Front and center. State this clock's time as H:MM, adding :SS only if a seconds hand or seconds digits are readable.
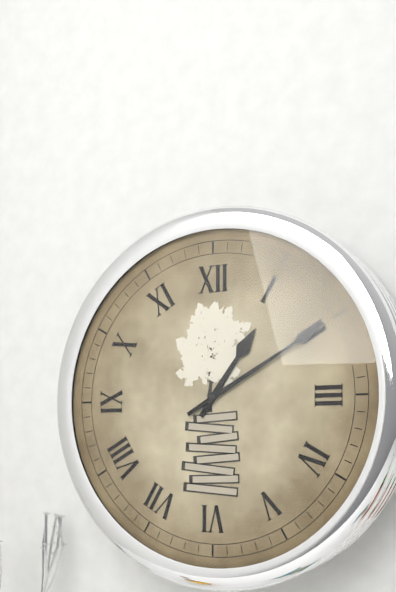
1:10
